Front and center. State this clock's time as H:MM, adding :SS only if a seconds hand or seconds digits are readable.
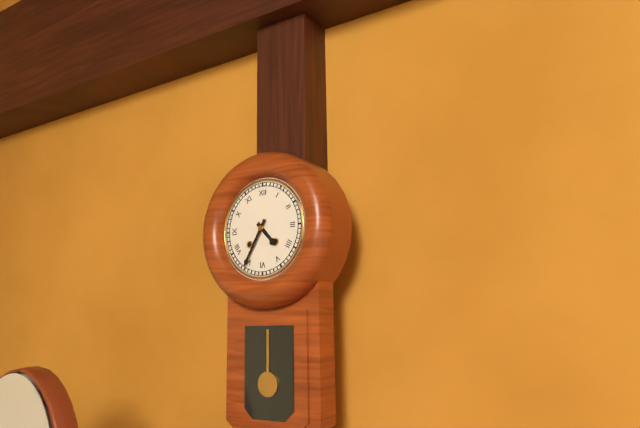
4:35
